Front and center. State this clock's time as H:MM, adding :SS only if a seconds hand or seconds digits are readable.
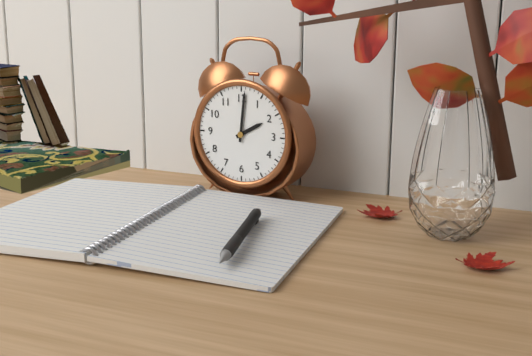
2:01
